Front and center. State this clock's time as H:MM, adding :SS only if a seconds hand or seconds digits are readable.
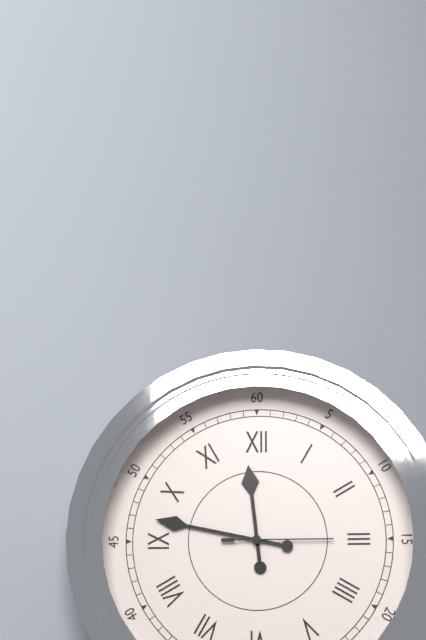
11:47:15
